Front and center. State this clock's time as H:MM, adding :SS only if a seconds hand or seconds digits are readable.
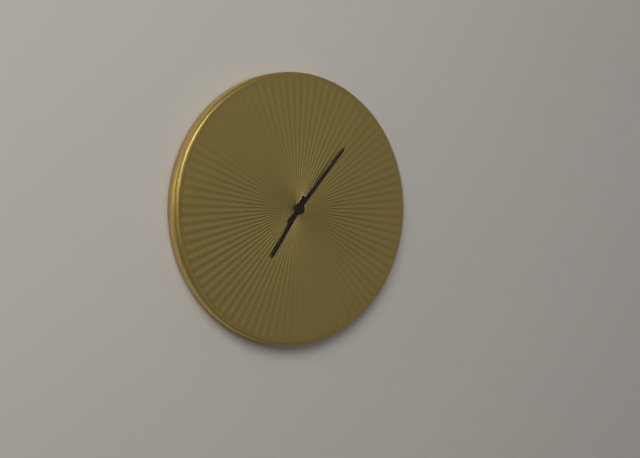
7:07
